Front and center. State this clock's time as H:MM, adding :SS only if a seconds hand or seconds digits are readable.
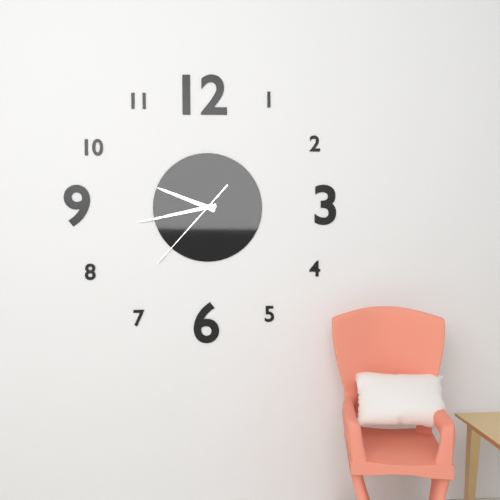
9:43:37
